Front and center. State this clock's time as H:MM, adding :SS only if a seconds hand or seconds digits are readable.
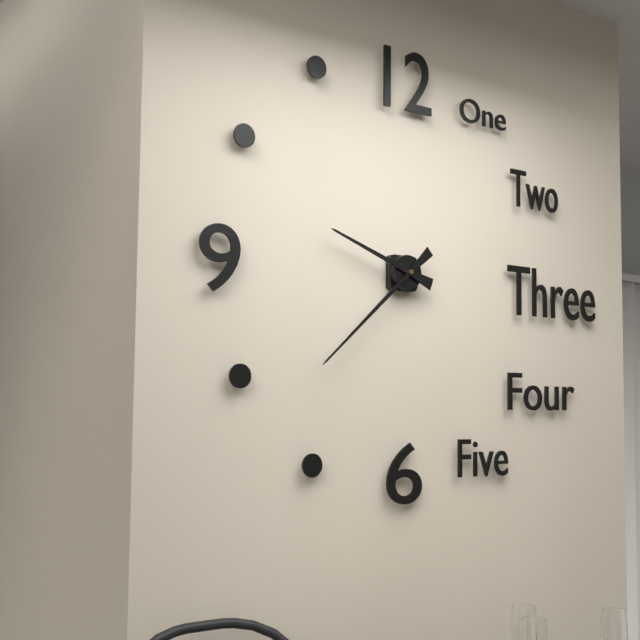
9:38
